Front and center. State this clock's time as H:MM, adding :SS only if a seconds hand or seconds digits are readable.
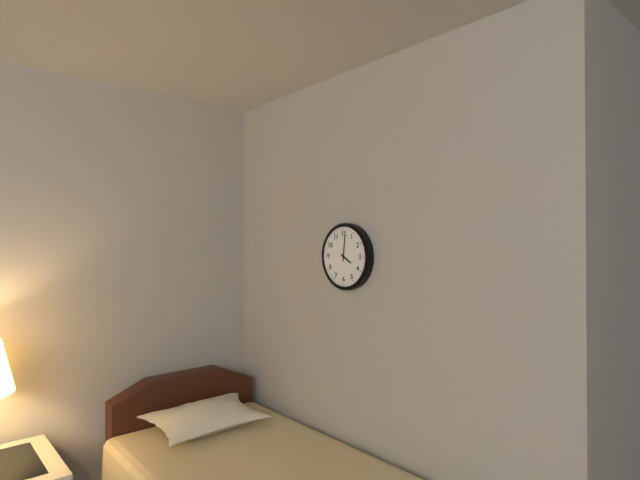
4:01
